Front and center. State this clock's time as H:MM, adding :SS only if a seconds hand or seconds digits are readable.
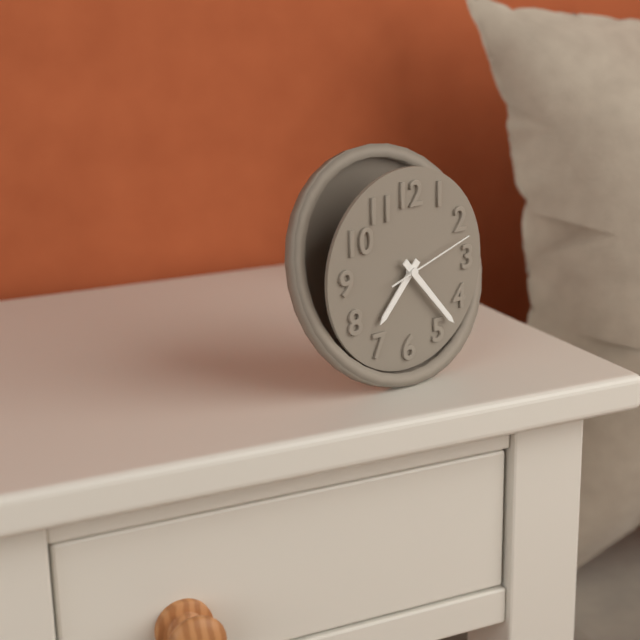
7:23:12
